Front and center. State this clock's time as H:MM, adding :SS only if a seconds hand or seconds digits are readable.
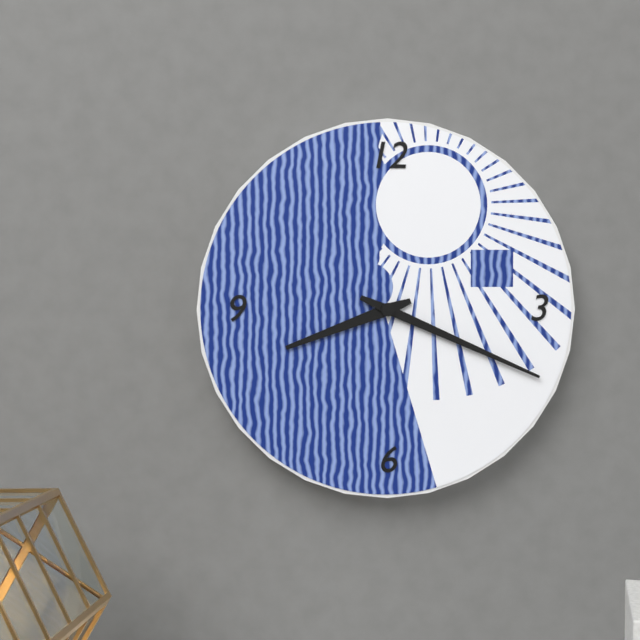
8:19
